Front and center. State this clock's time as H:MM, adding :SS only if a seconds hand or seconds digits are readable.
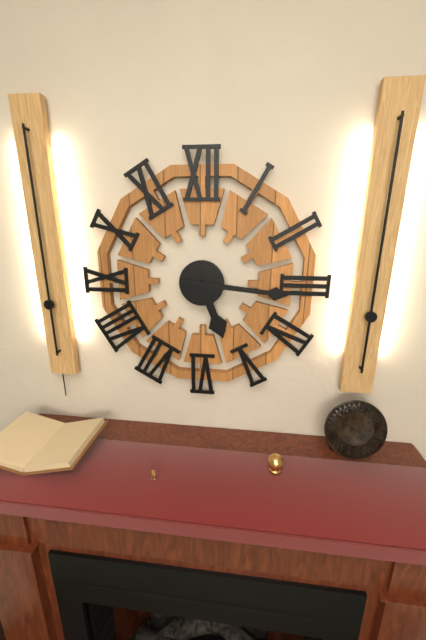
5:16
